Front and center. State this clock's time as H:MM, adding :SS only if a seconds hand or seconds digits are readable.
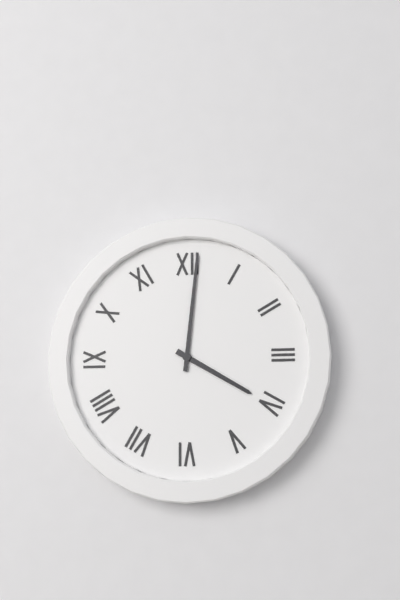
4:01
